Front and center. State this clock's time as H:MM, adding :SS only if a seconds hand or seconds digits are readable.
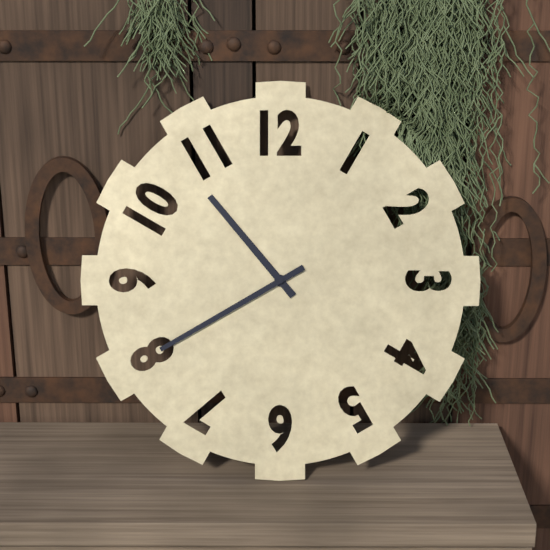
10:40
